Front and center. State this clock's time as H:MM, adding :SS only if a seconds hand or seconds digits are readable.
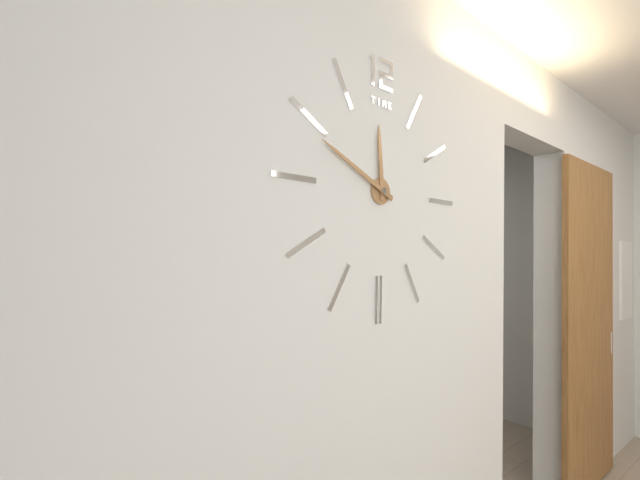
11:49
